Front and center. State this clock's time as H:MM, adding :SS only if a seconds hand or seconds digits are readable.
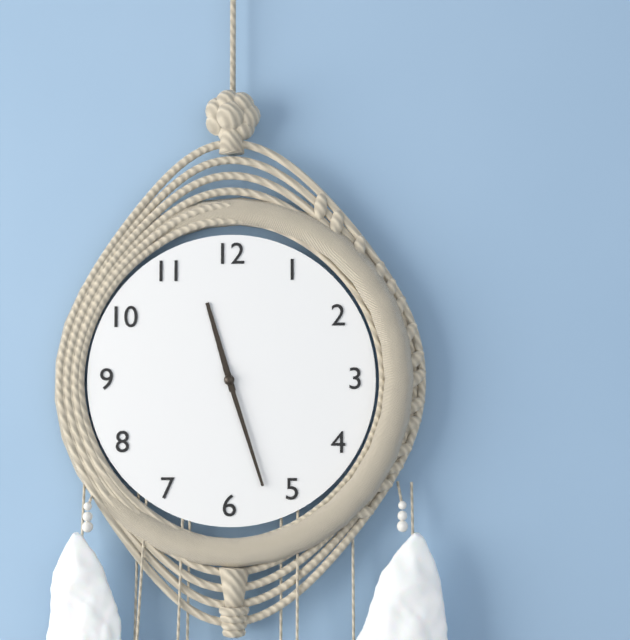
11:27
